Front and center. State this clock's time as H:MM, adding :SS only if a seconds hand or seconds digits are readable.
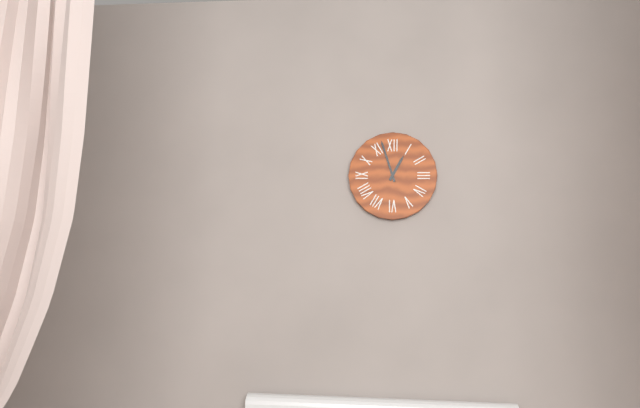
12:57
